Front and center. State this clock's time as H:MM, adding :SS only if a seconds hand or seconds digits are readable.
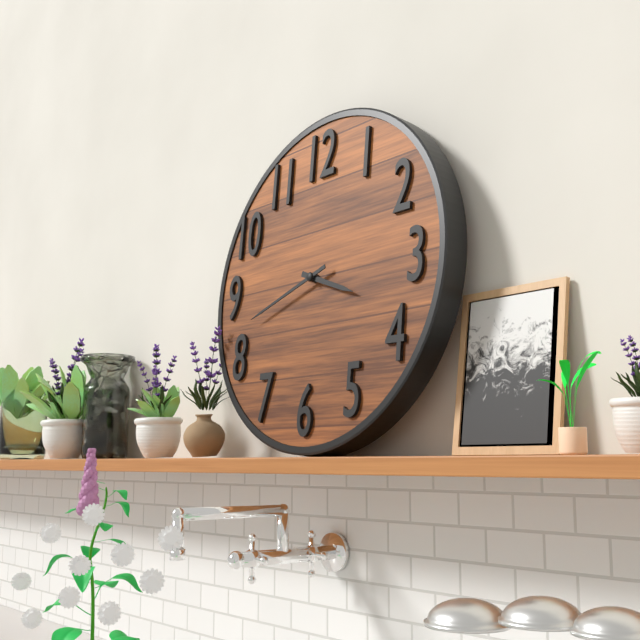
3:42
